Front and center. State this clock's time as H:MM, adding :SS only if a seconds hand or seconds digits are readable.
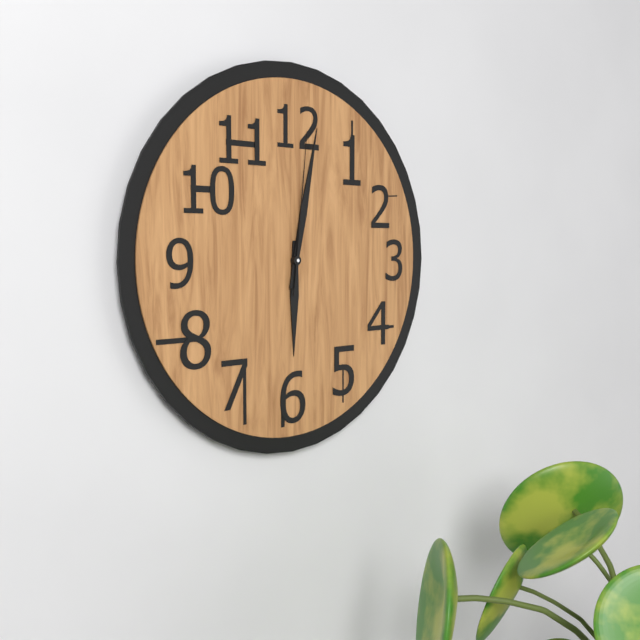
6:02:01
